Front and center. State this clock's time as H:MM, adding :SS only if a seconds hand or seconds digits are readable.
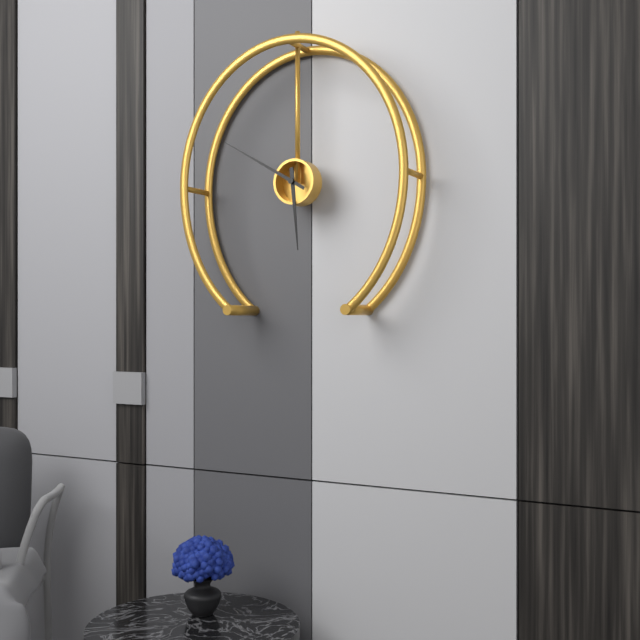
5:50
